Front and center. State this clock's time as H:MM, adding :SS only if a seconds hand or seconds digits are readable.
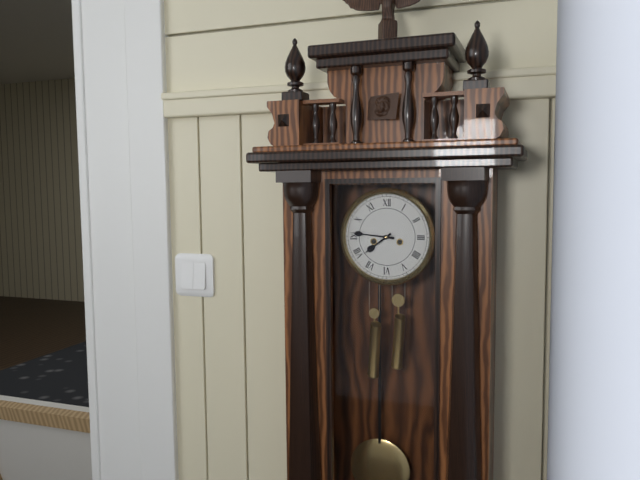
7:46
